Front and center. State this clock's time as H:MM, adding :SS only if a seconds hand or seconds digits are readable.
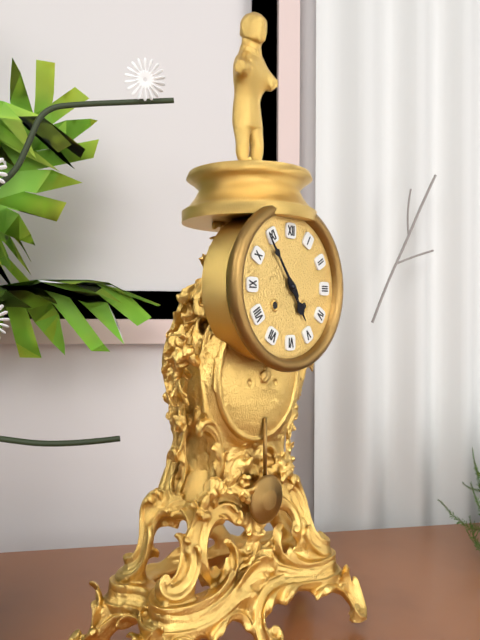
4:54
